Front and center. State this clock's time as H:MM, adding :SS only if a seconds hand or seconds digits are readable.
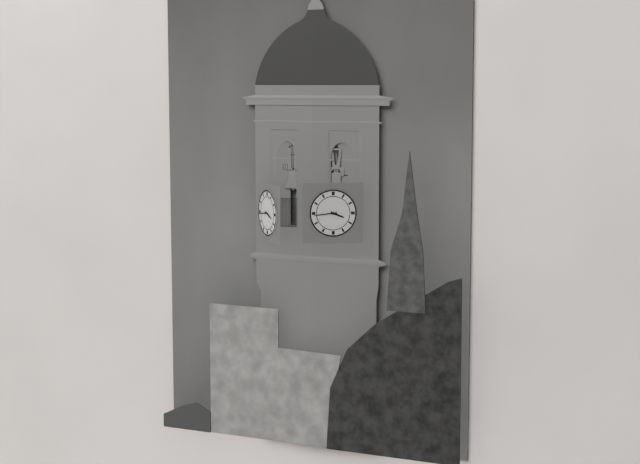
3:44
